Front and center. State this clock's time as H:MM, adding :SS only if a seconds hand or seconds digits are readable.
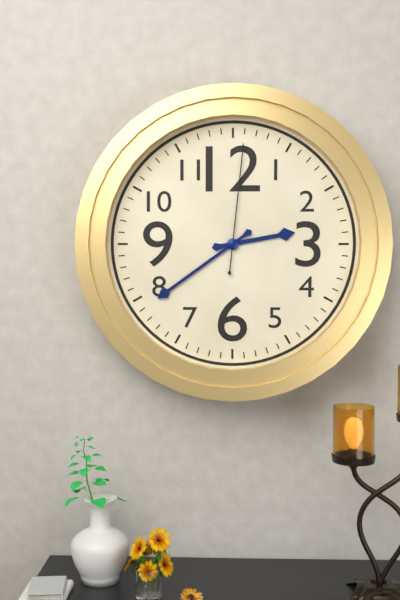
2:39:01
